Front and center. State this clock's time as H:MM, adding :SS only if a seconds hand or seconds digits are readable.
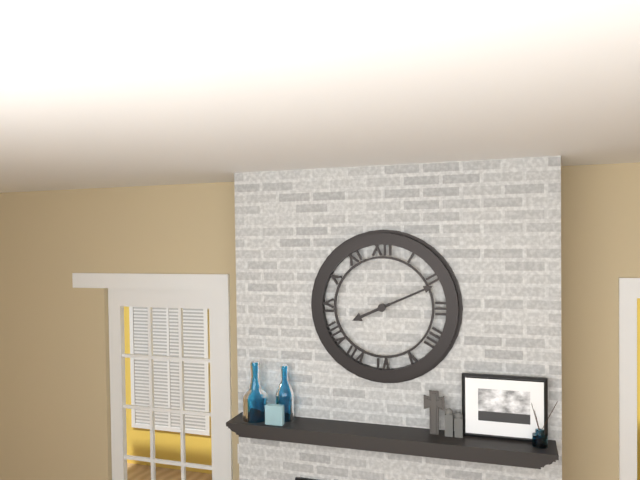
8:11
